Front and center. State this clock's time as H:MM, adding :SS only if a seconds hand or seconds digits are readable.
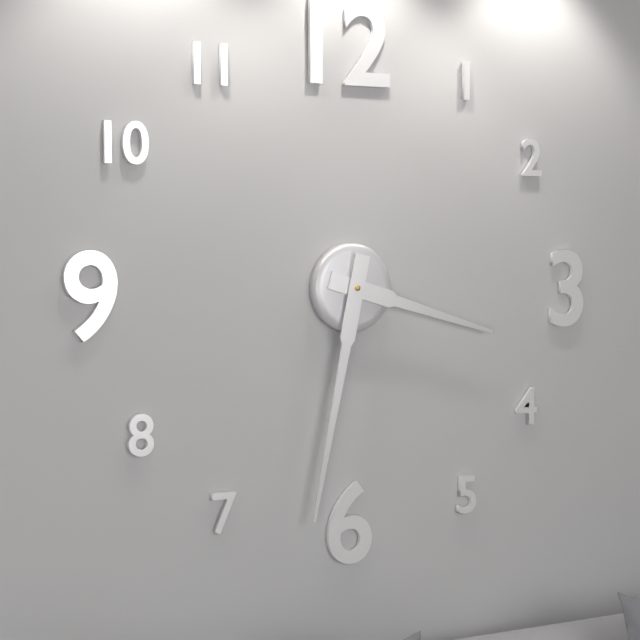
3:32
